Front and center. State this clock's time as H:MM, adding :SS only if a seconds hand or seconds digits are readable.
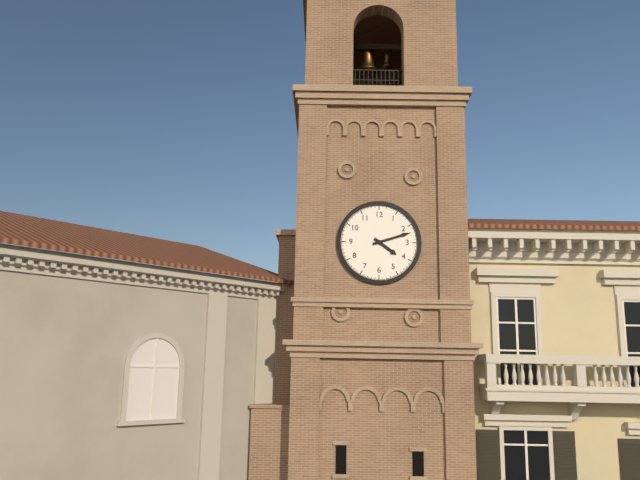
4:12
